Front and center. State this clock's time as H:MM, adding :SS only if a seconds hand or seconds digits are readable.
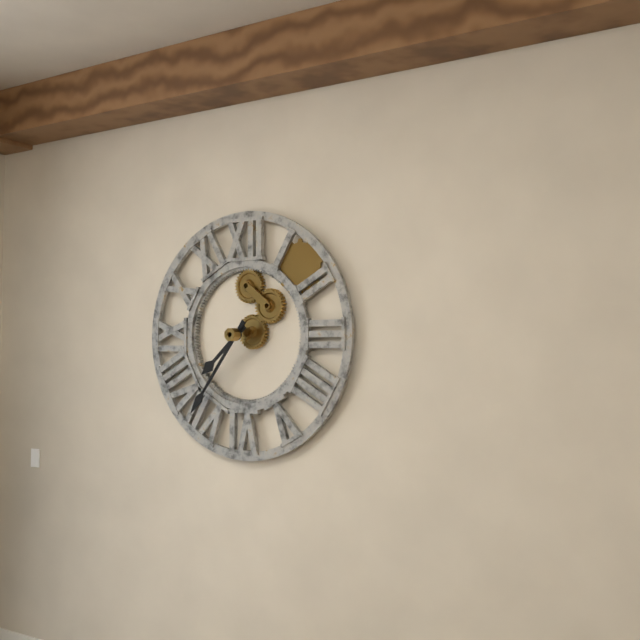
7:36
